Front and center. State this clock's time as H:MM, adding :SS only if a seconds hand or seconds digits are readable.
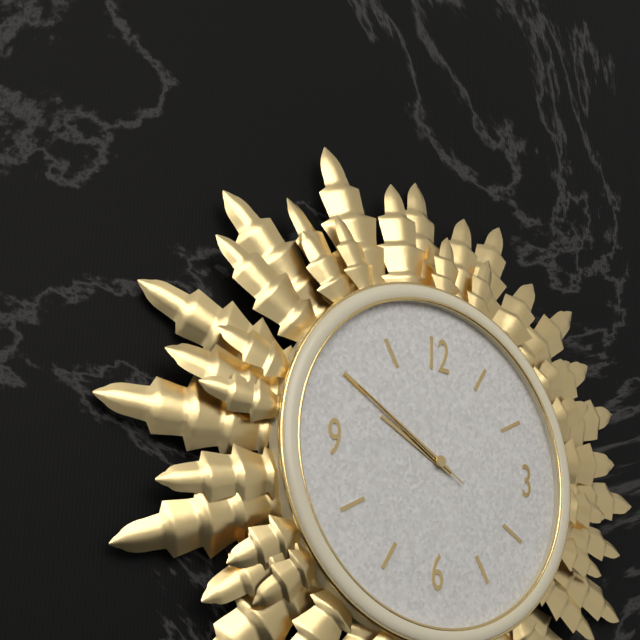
9:50:50
